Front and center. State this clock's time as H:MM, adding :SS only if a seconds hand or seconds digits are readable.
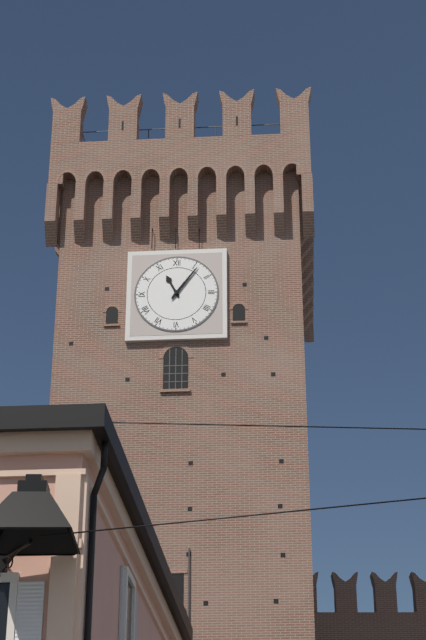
11:06
